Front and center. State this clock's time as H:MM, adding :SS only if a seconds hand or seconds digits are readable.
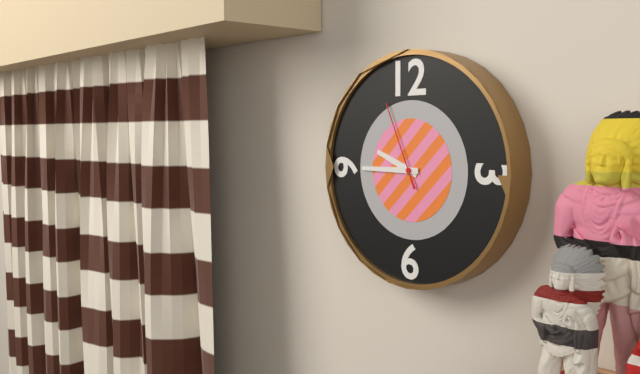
9:45:56
